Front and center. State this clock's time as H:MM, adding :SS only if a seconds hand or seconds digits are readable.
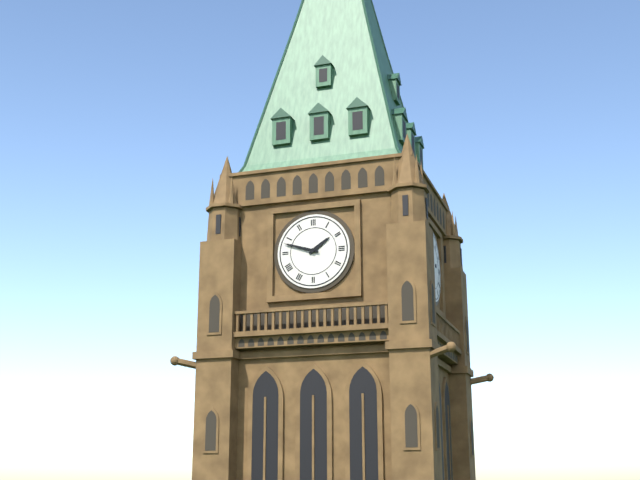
1:48
